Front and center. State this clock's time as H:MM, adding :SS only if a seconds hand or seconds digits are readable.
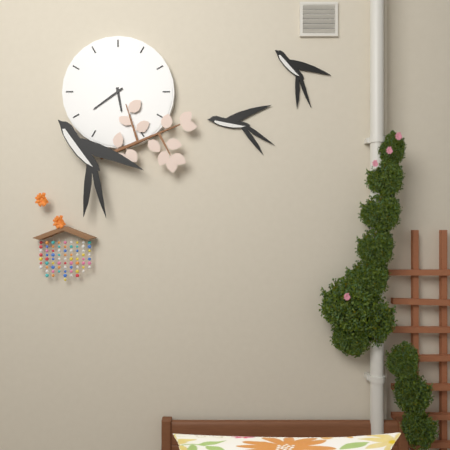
5:39
